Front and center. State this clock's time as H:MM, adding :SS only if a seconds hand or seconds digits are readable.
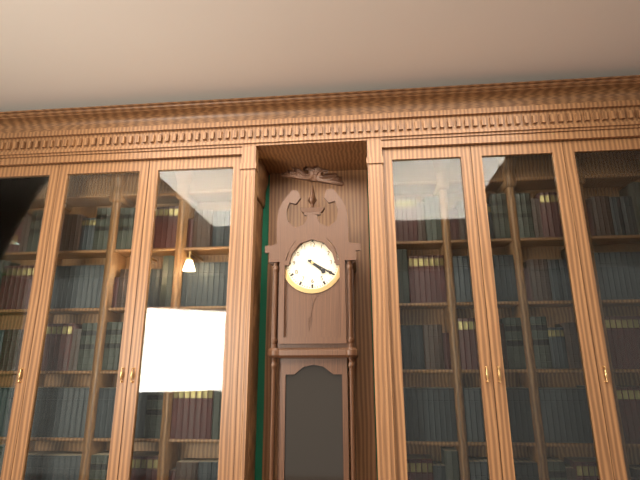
4:20
